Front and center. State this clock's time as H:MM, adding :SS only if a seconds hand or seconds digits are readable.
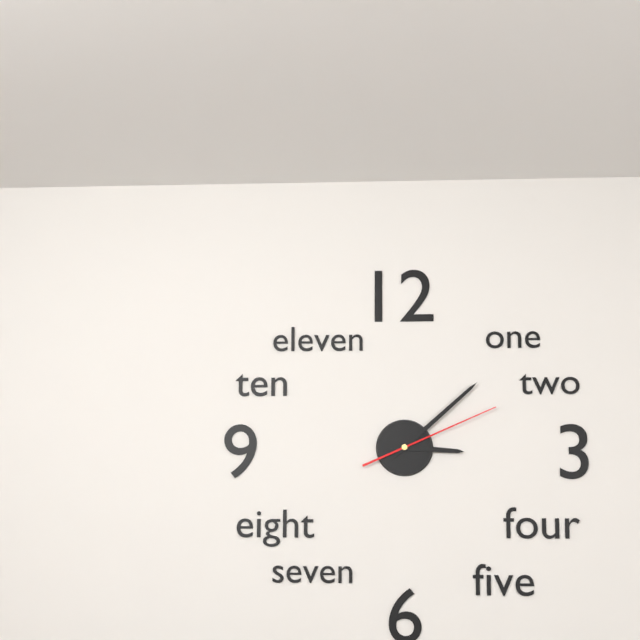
3:08:11
